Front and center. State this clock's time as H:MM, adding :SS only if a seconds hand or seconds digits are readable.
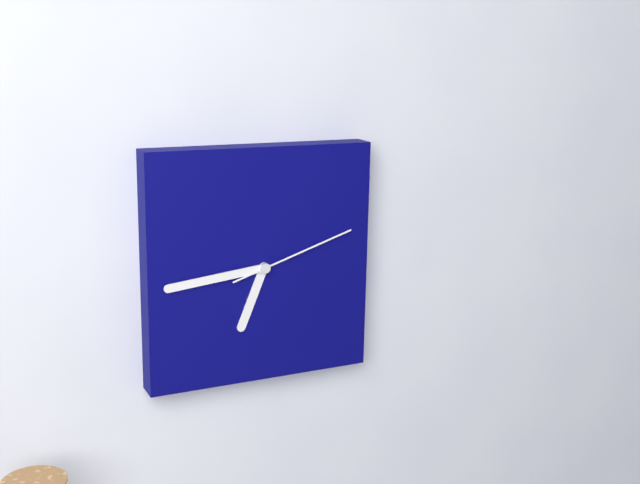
6:44:12
